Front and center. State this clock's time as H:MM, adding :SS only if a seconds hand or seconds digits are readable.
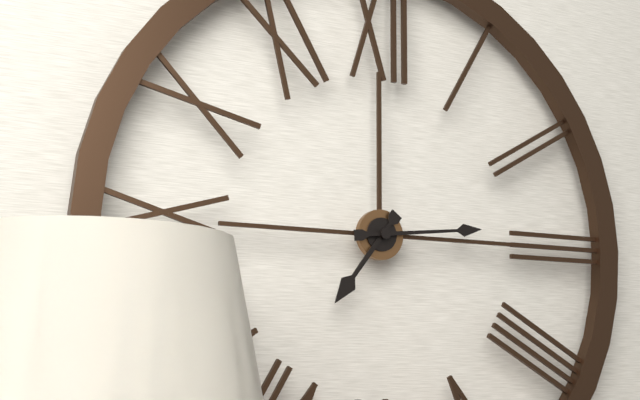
7:14
